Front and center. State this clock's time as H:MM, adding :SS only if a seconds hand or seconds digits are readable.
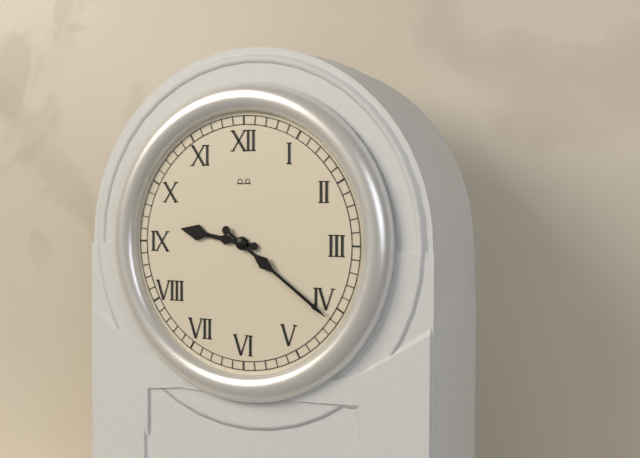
9:21
